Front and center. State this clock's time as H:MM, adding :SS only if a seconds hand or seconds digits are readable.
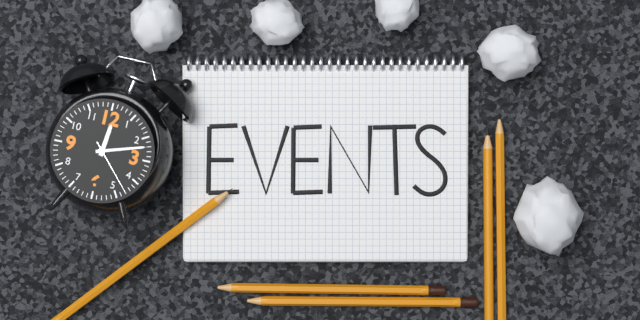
12:12:23
